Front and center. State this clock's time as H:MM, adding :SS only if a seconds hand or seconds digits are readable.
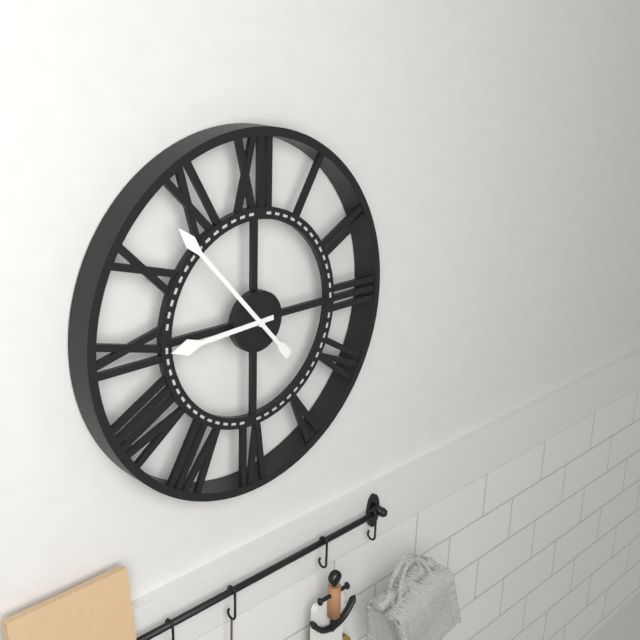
8:53
